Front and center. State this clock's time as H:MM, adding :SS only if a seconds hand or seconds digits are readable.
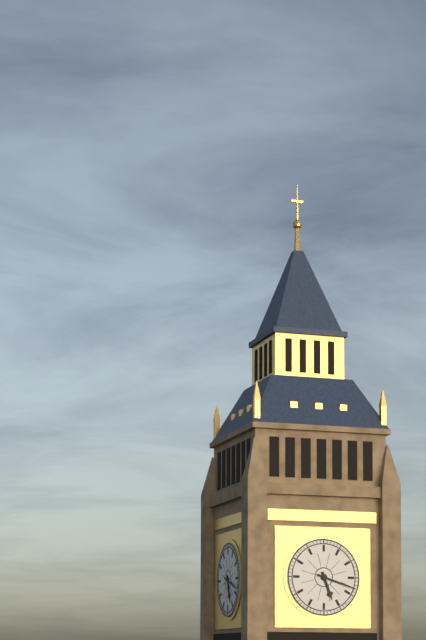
5:18
